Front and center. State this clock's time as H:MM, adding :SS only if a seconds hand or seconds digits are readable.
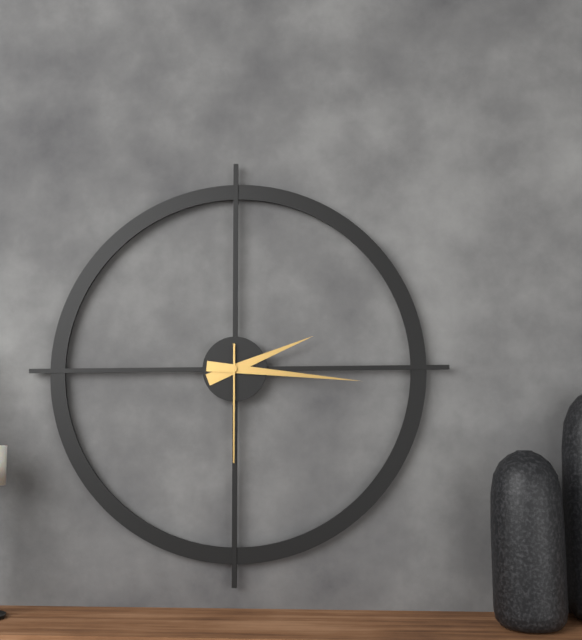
2:16:30
